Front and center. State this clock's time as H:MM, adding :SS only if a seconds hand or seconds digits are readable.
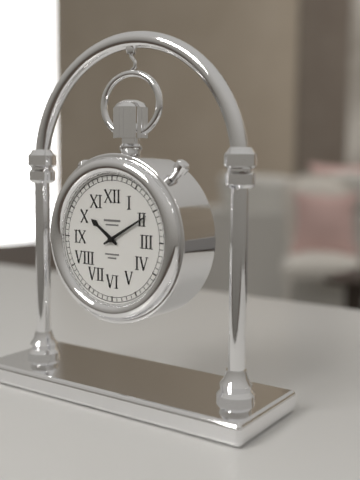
10:10
